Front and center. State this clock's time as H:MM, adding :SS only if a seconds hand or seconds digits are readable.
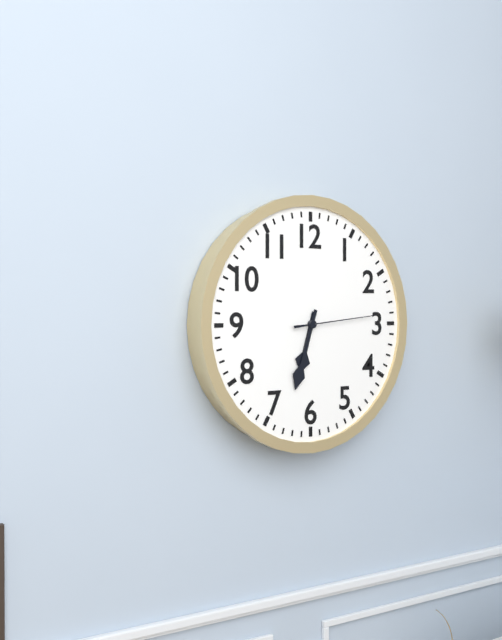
6:33:14
